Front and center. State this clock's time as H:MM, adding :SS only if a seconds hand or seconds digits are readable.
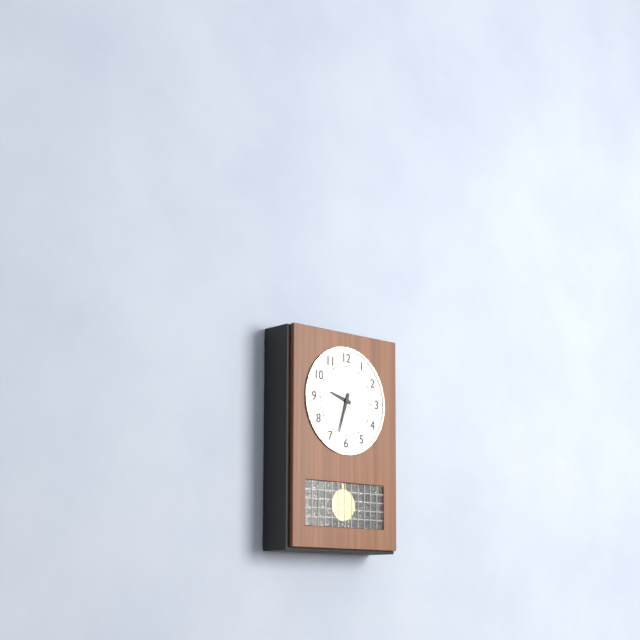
9:33
